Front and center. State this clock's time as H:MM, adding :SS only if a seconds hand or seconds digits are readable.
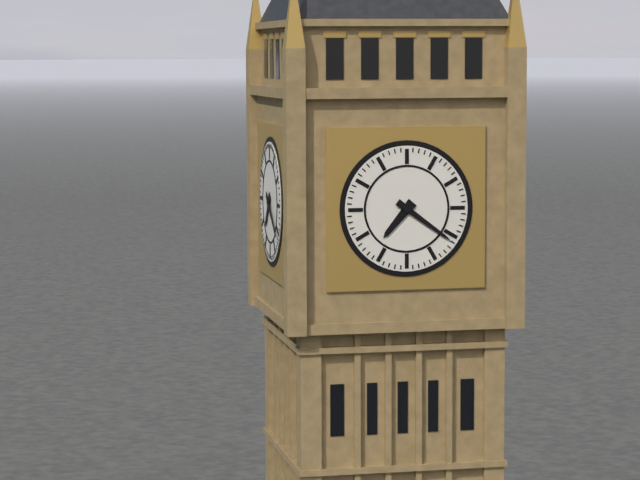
7:21
